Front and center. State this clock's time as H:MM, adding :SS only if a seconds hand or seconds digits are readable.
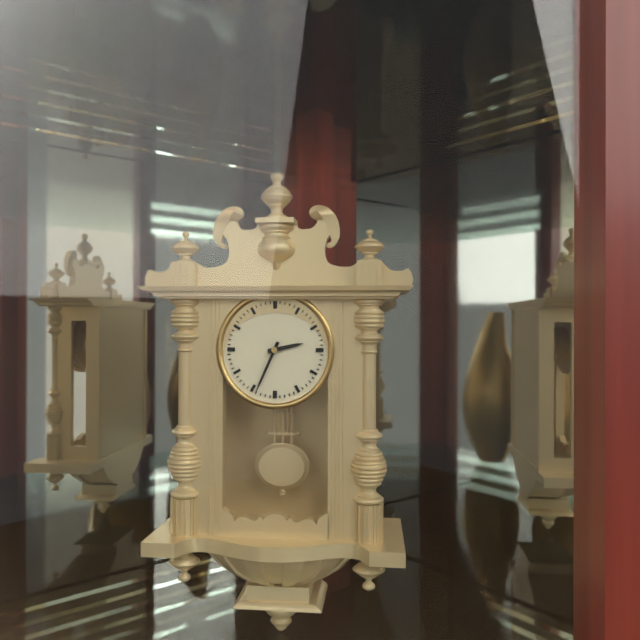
2:34
